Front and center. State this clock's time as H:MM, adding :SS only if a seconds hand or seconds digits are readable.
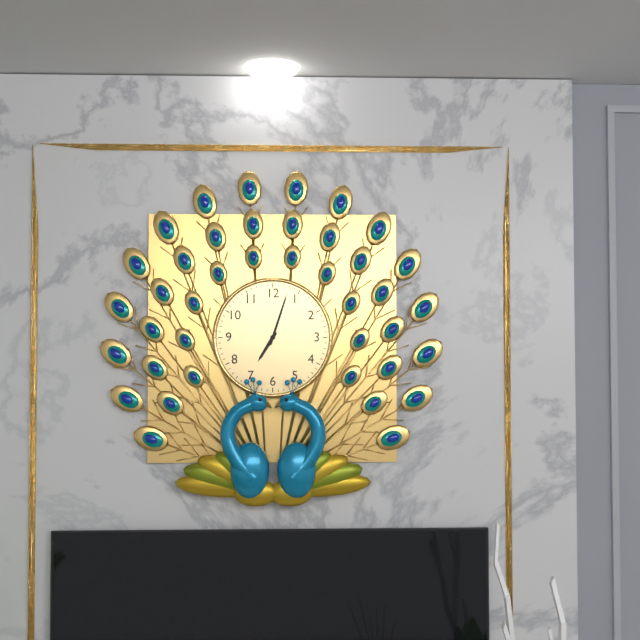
7:03
